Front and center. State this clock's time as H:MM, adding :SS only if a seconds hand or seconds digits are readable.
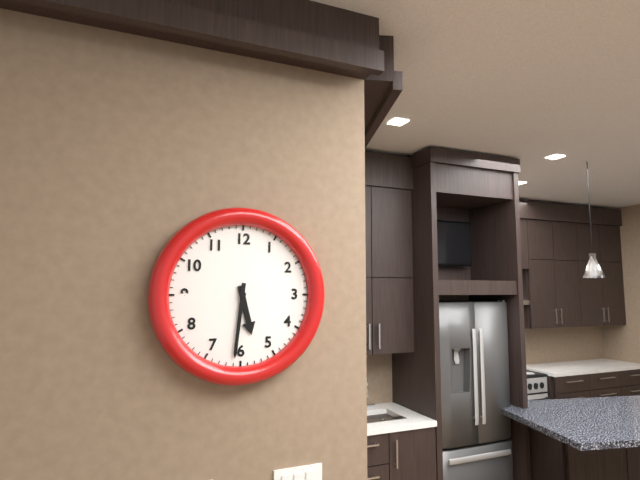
5:31
